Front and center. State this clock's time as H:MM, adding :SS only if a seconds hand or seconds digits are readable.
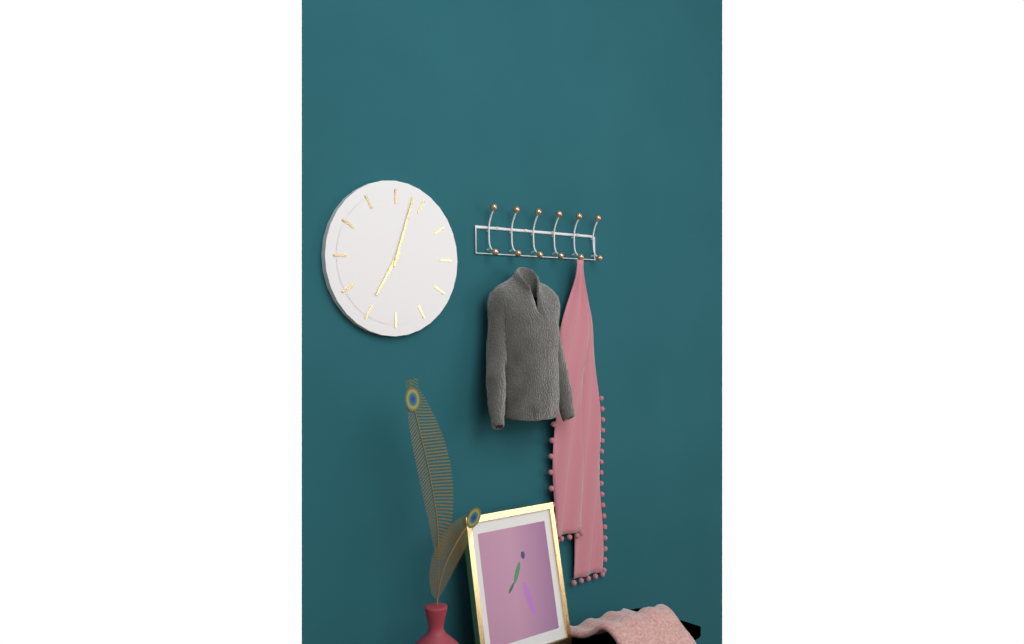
7:03
